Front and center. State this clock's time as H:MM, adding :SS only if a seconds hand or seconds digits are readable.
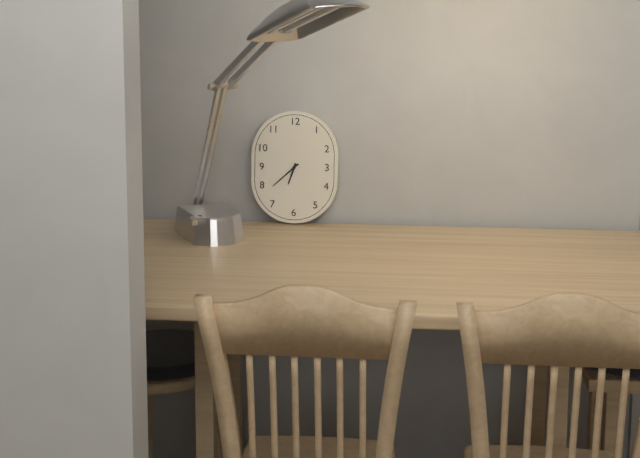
6:38
